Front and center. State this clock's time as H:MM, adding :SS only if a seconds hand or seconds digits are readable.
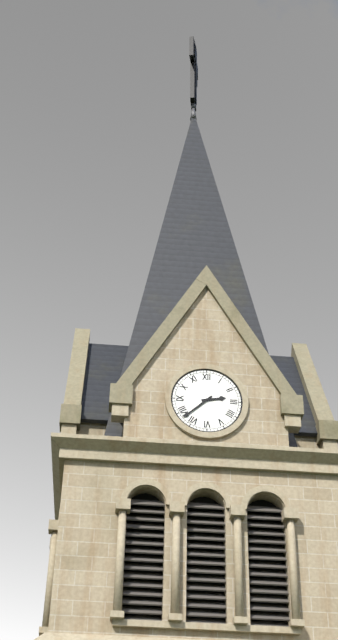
2:38
